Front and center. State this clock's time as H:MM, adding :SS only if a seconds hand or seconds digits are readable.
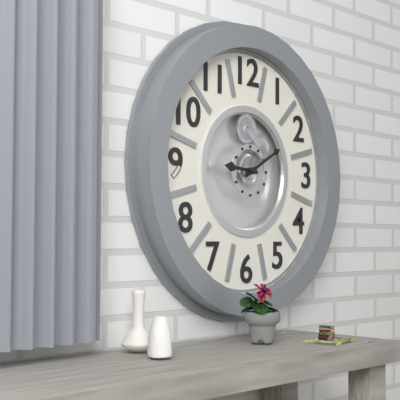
9:10
